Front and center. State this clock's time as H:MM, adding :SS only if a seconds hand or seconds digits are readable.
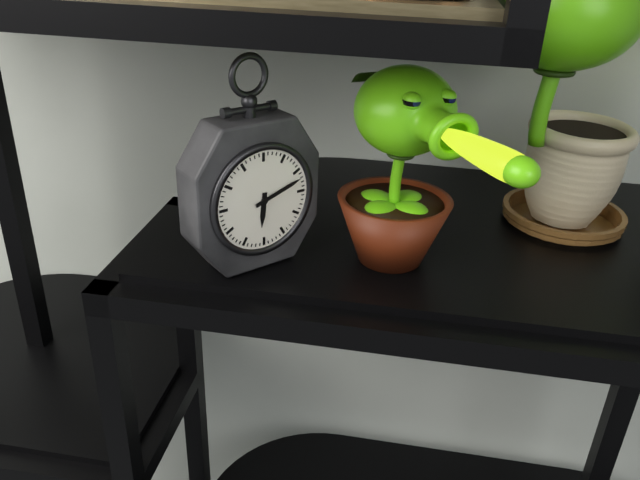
6:12
